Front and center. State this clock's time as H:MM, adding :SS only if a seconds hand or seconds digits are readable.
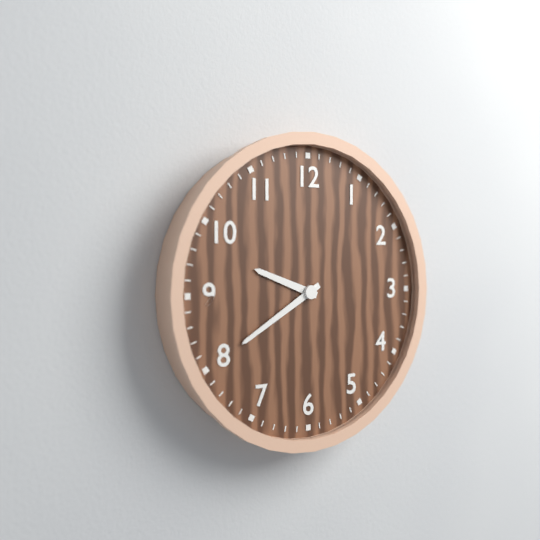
9:40
